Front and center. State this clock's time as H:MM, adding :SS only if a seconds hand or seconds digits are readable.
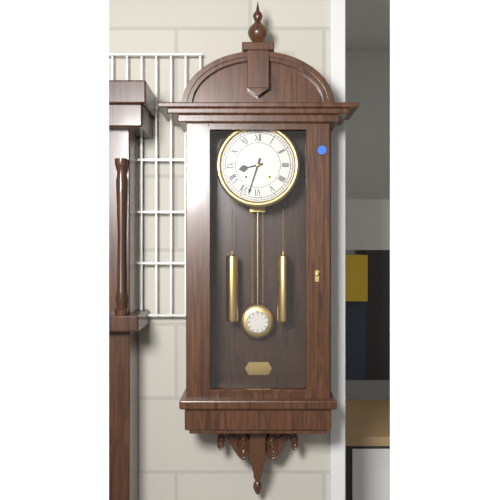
8:33
